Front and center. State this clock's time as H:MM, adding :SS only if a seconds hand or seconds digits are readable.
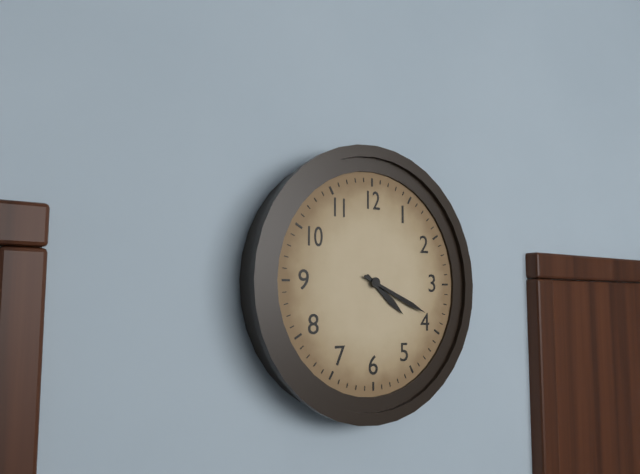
4:19
